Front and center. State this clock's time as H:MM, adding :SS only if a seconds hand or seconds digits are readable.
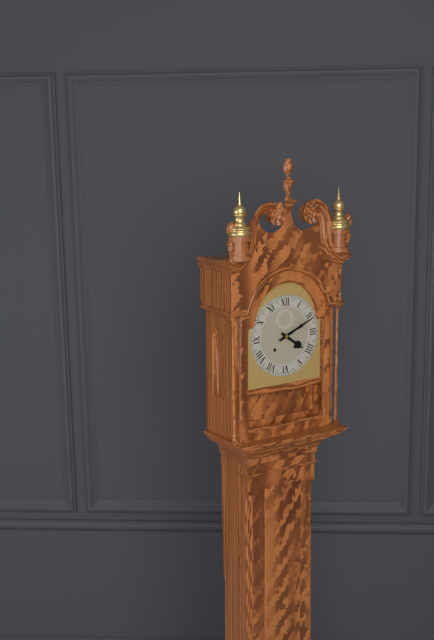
4:11
